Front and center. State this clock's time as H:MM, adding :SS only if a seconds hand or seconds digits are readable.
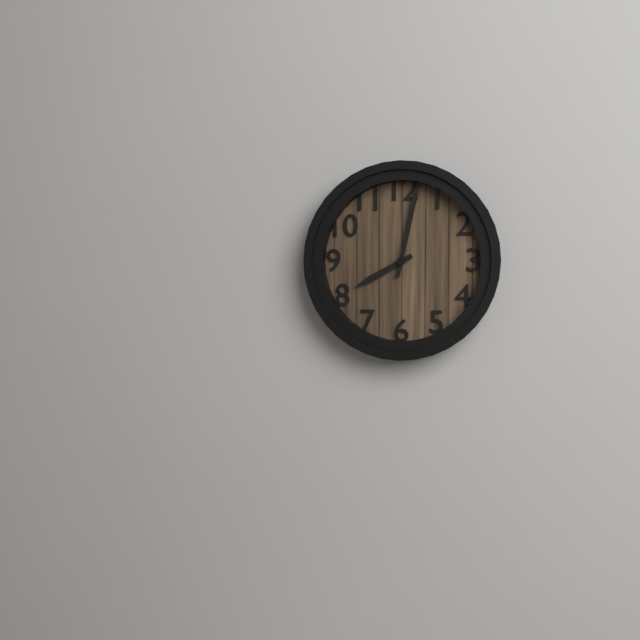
8:02
